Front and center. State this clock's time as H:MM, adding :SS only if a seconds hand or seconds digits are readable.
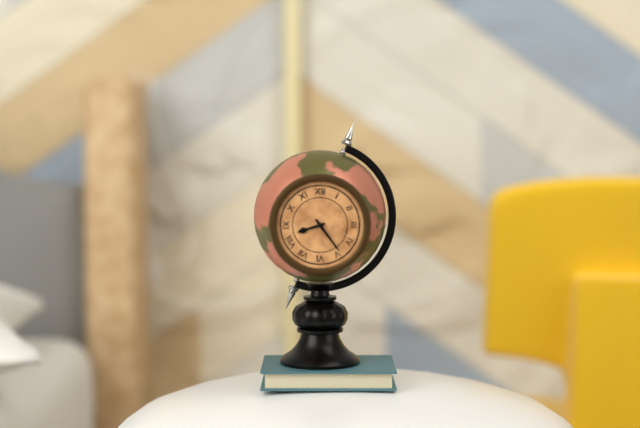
8:24
